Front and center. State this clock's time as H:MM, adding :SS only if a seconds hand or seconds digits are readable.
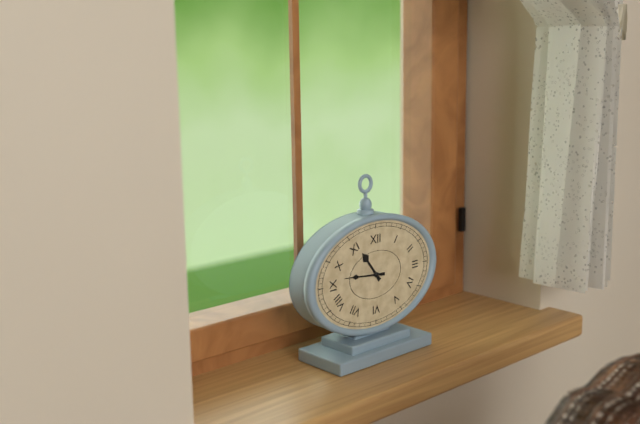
10:46
